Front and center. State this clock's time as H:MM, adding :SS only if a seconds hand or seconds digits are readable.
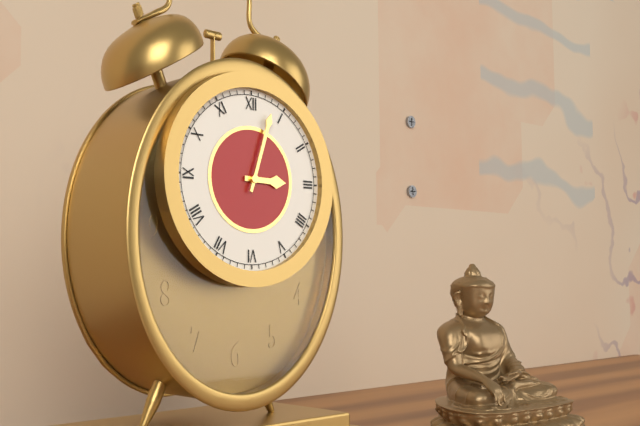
3:03
